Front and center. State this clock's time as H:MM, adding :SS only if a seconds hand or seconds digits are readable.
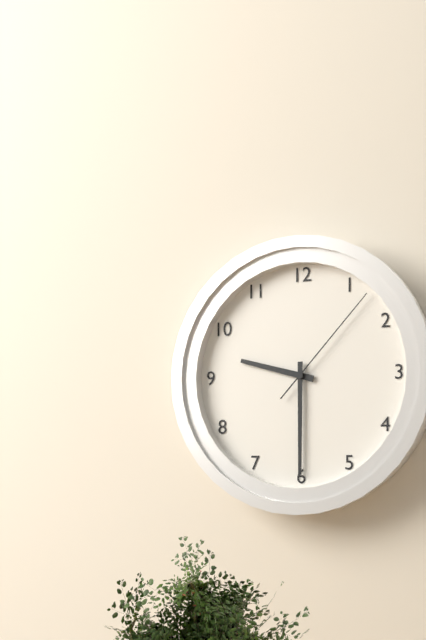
9:30:07
